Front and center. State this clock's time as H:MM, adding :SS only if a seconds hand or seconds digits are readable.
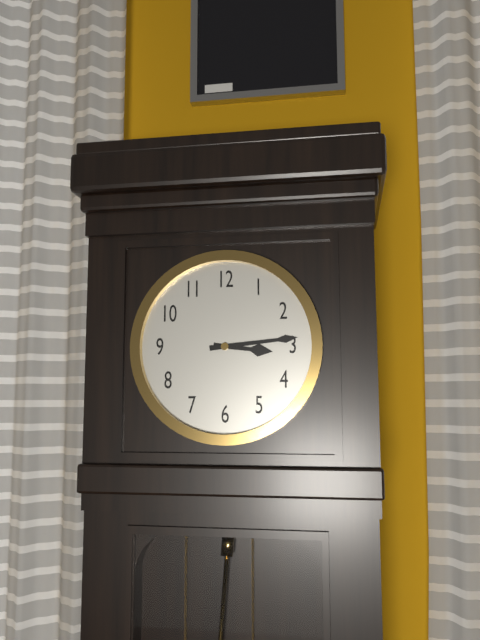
3:14
